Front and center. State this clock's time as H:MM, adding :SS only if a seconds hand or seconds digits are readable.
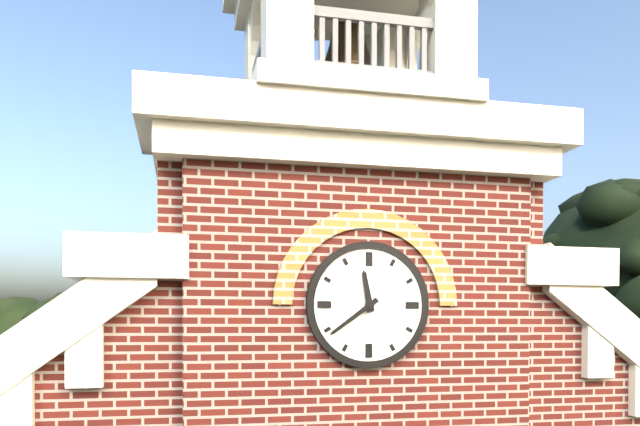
11:39
